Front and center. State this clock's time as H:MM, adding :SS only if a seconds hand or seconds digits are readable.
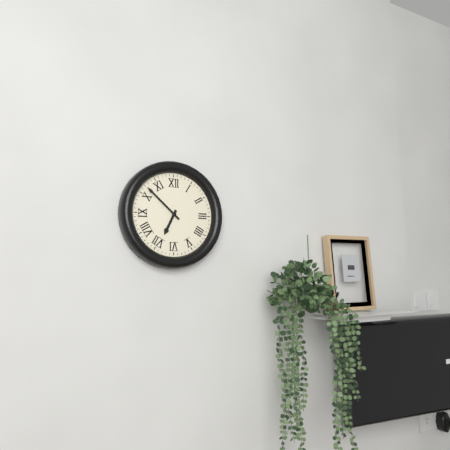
6:52
